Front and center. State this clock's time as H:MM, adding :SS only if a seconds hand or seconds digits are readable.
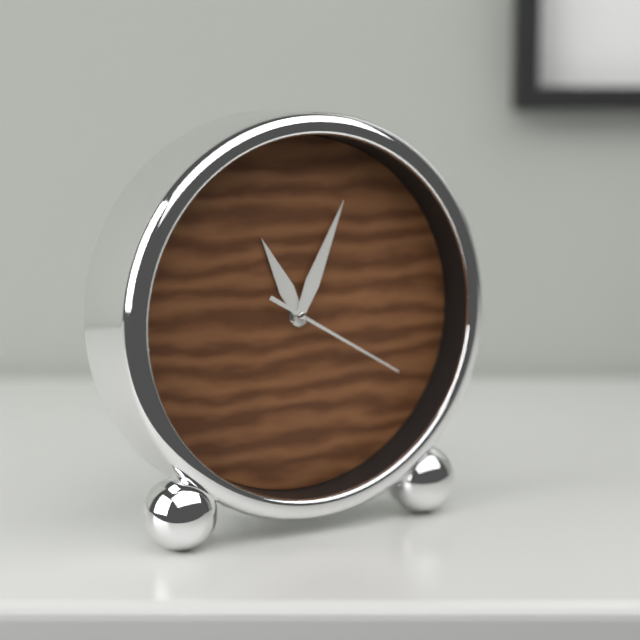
11:04:20
